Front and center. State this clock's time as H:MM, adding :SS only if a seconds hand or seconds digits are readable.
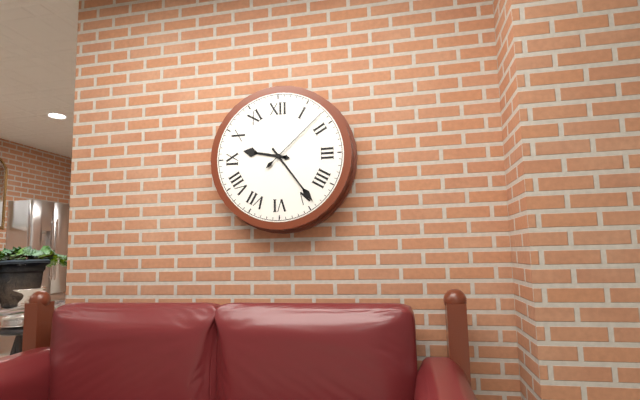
9:24:08
